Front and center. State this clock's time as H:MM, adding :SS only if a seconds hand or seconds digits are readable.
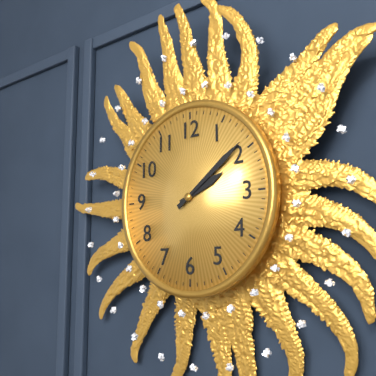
2:09
